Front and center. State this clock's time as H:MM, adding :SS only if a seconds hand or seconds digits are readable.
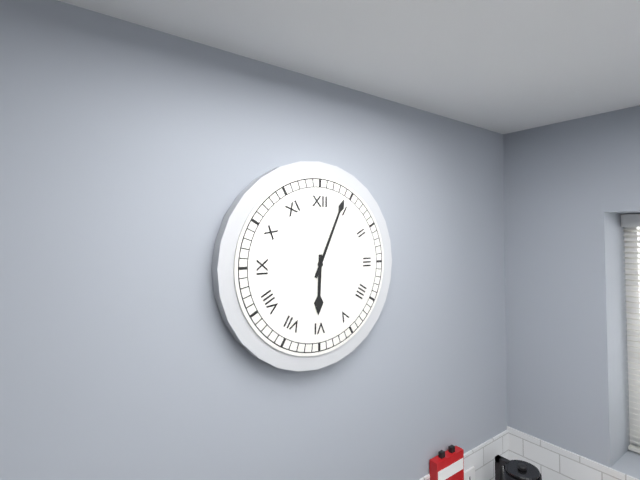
6:04
